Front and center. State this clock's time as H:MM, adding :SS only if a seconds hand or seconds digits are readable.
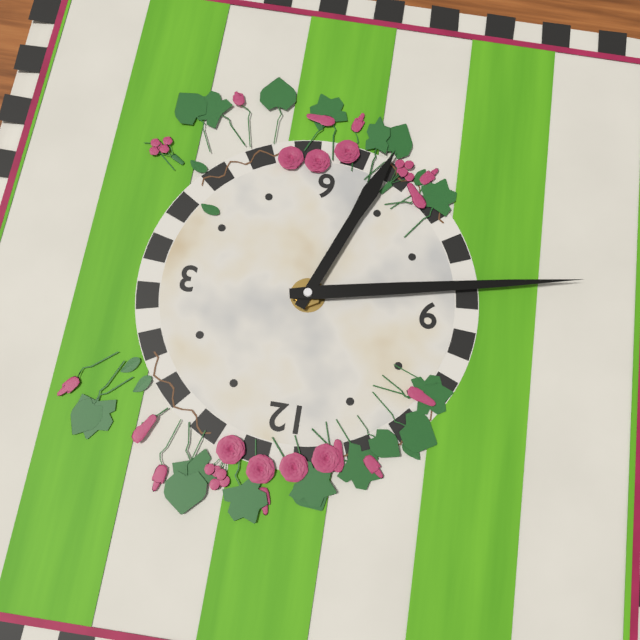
6:43
